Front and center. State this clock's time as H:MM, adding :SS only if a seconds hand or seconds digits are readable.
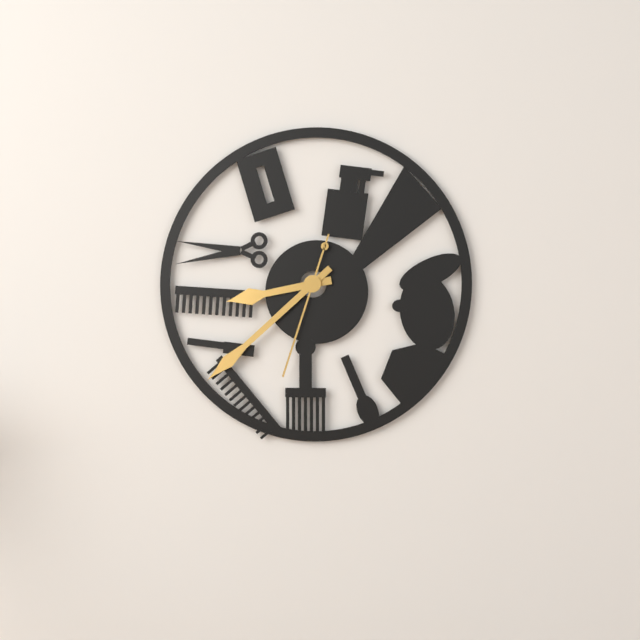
8:38:33
